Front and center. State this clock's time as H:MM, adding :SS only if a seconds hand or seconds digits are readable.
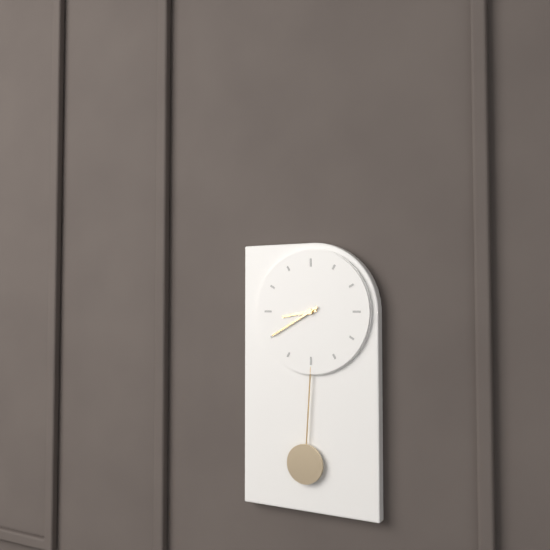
8:40
